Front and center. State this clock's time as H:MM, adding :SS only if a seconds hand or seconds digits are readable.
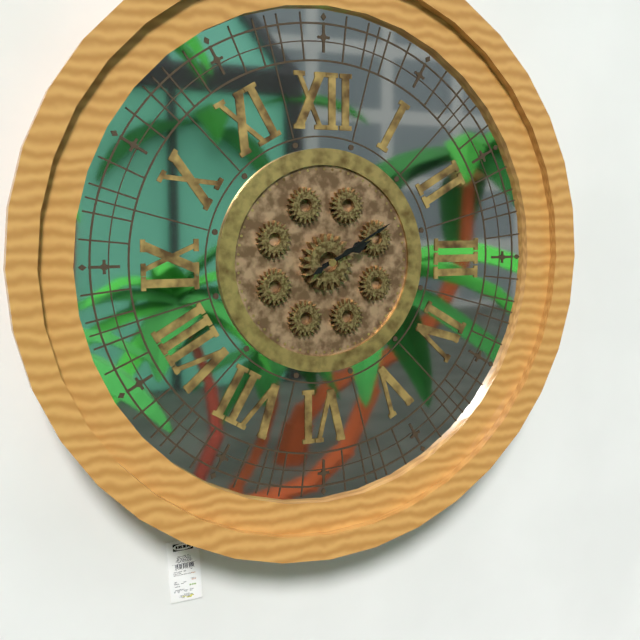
2:10
